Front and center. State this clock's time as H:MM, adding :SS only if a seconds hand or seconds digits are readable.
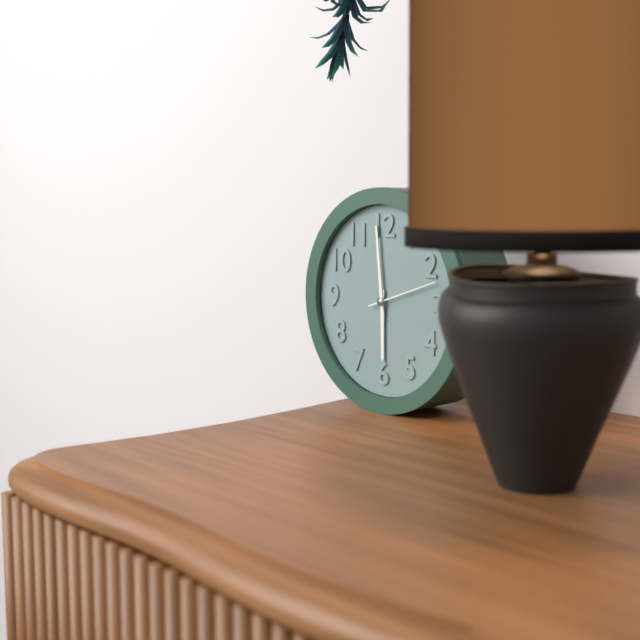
5:59:12
